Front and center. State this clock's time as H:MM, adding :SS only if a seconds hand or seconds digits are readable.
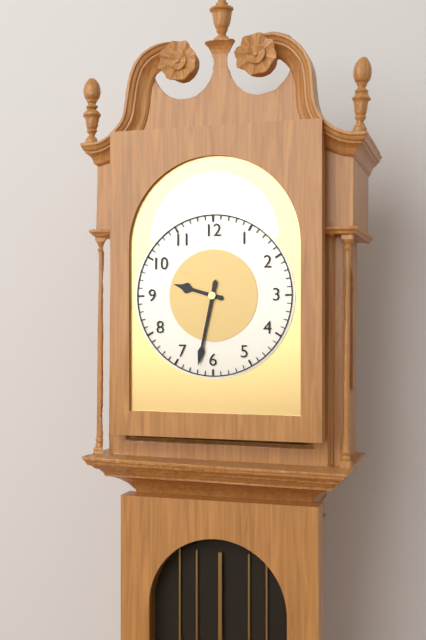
9:32
